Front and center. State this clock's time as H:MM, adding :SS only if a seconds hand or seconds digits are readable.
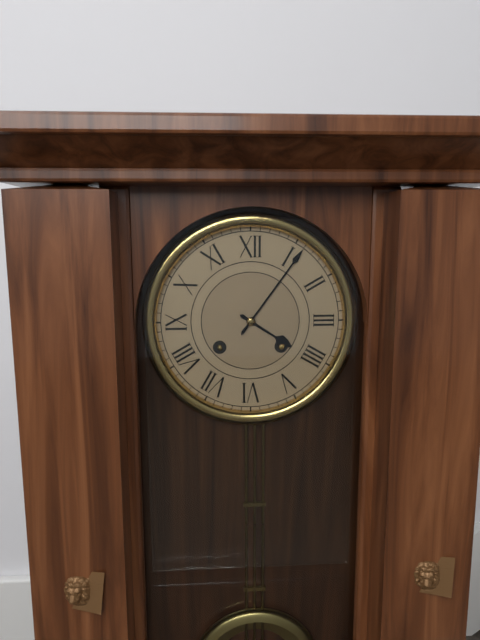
4:06
